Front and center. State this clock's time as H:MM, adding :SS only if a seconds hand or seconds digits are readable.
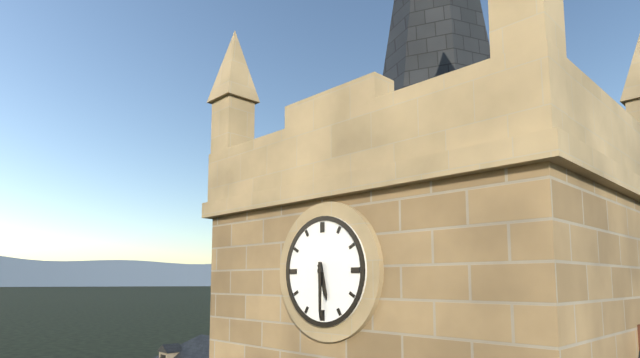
5:30
